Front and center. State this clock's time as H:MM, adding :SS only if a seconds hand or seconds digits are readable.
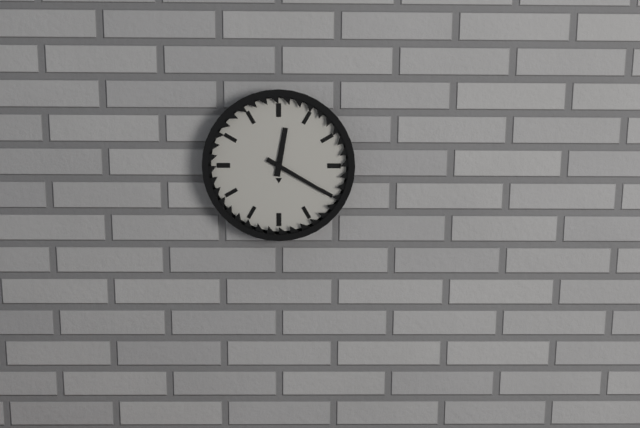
12:20
